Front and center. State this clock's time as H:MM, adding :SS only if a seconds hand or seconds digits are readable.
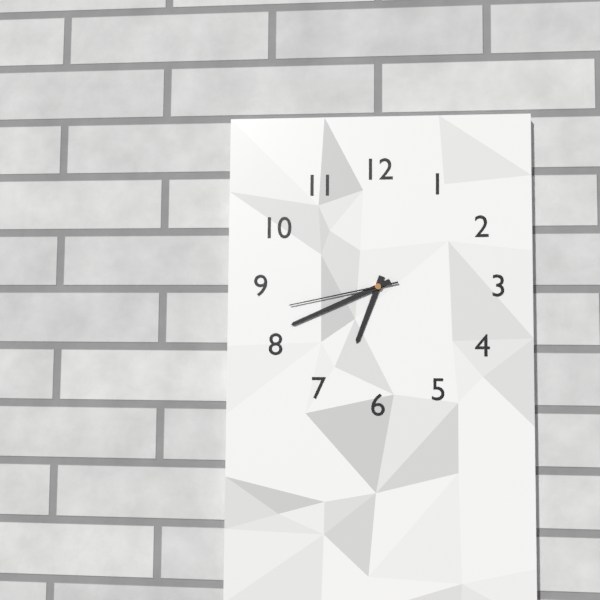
6:41:43
